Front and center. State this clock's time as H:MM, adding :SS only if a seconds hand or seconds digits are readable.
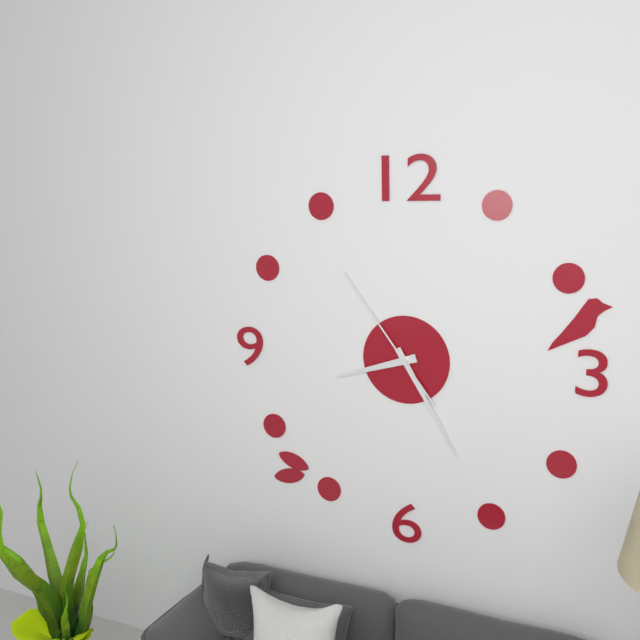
8:25:54
